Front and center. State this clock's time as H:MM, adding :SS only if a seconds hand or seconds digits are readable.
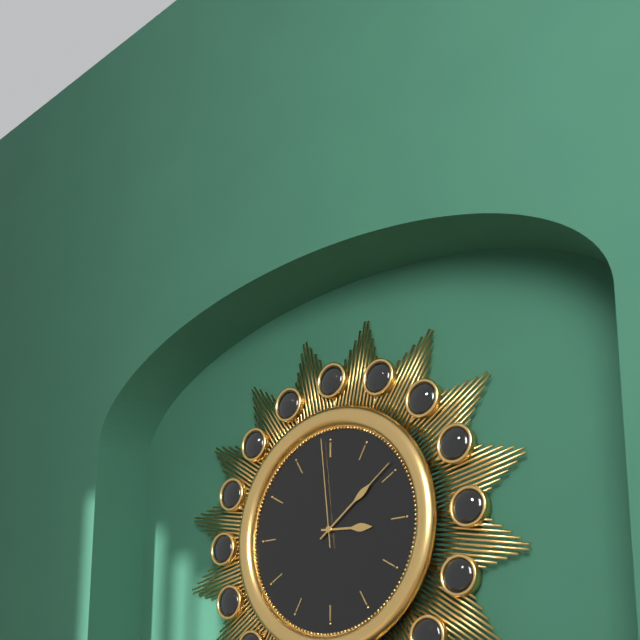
3:09:59
